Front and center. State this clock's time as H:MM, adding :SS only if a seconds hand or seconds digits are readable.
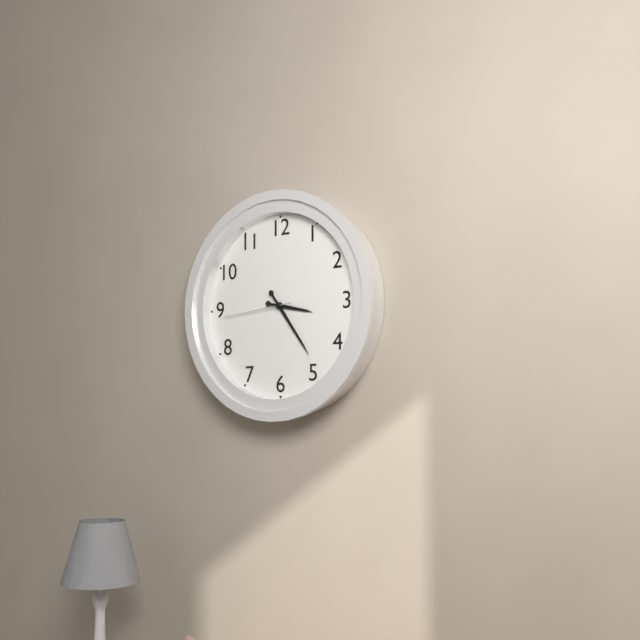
3:24:44
